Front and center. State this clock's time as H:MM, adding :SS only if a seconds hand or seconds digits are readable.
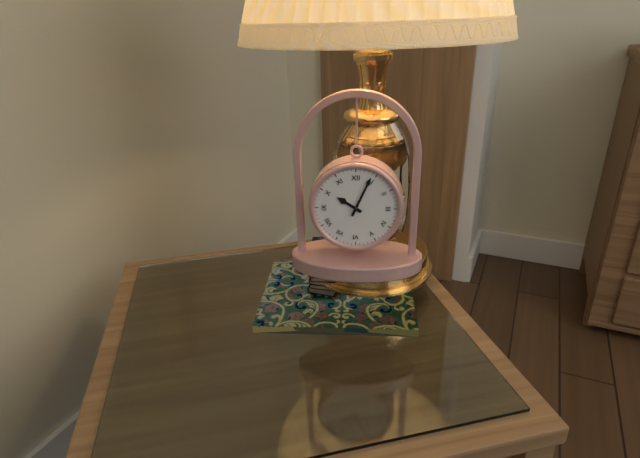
10:04
